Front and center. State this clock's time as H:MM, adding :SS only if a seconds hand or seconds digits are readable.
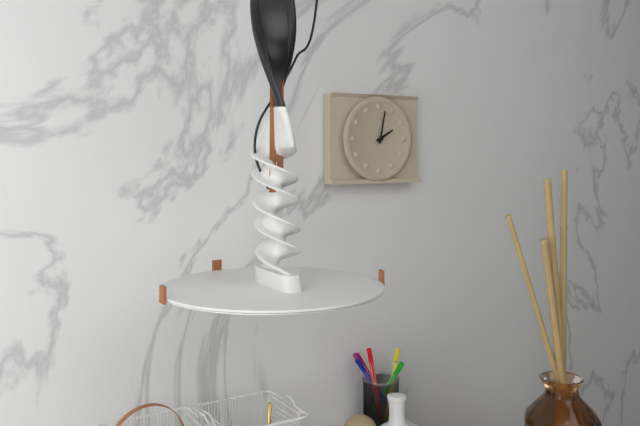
2:02
